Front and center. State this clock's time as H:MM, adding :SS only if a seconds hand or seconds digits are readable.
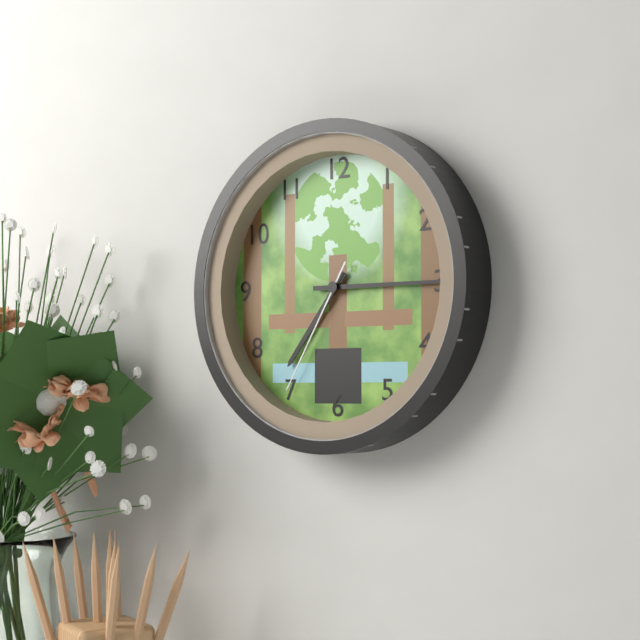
7:15:35
